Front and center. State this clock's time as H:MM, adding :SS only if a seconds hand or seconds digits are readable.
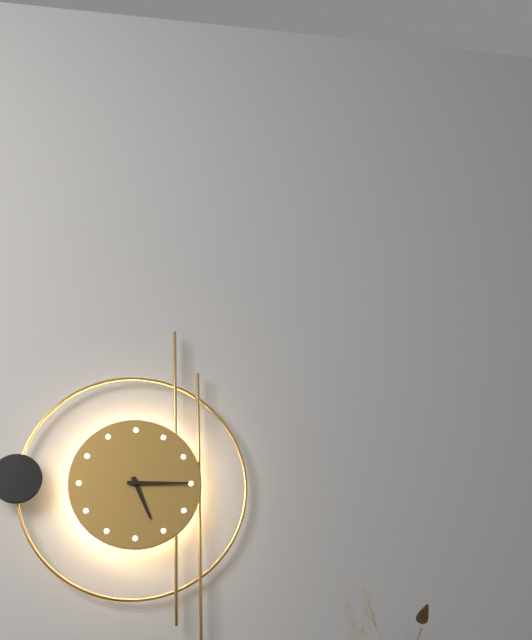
5:15
